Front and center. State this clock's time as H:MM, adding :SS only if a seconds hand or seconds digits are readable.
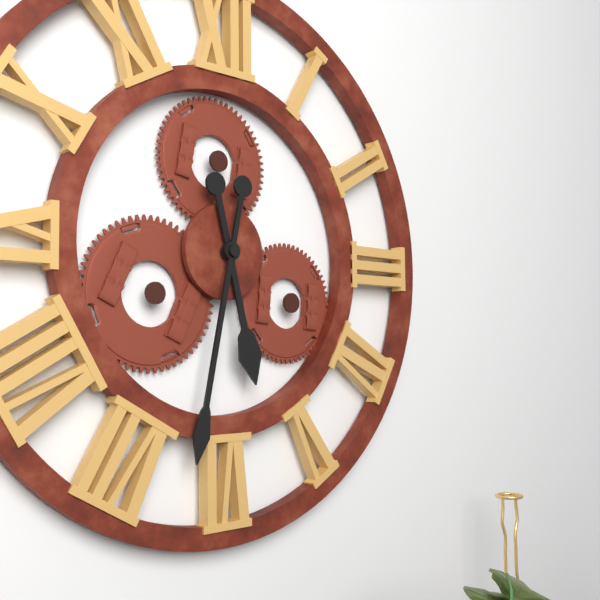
5:32
